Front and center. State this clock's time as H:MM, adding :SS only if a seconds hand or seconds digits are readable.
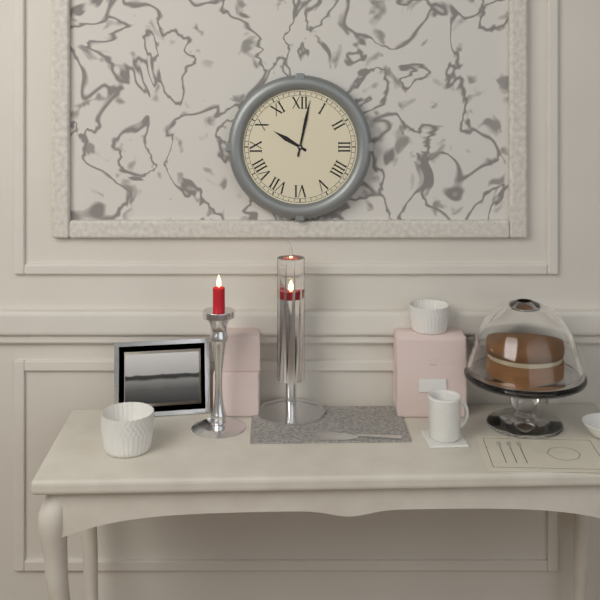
10:02
